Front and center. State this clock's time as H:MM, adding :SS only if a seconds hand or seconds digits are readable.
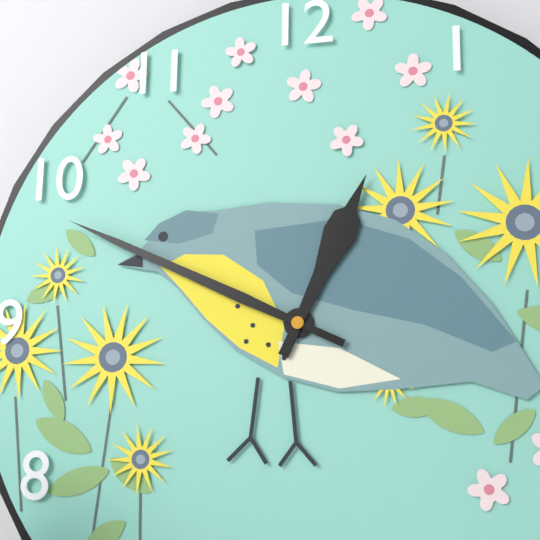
12:49
